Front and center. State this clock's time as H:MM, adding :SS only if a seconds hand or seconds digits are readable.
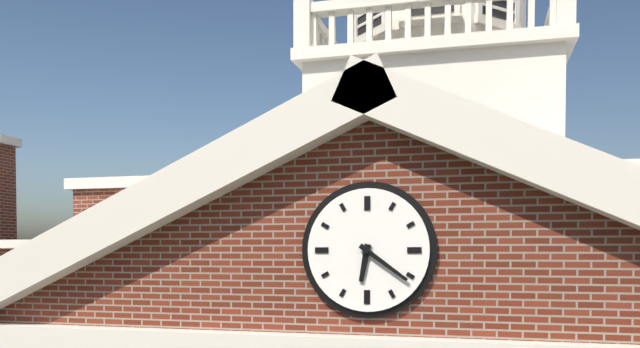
6:21
